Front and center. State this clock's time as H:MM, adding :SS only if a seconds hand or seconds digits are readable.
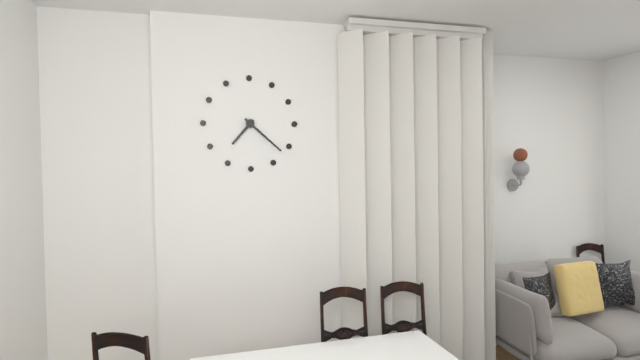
7:22
